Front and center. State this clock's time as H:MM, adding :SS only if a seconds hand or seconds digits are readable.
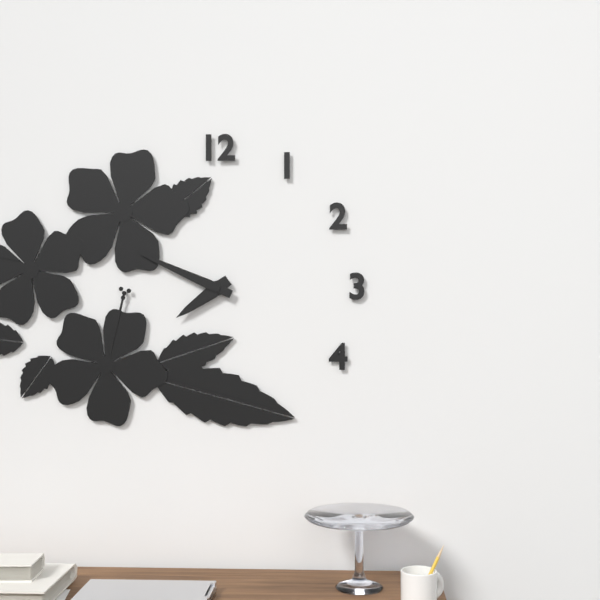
7:49
